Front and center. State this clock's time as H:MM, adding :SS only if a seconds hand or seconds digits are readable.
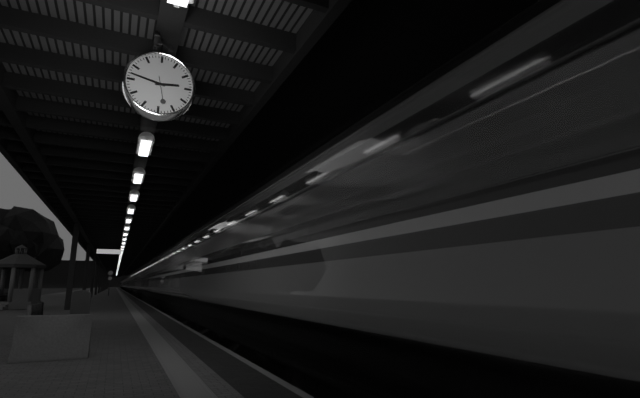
2:47
